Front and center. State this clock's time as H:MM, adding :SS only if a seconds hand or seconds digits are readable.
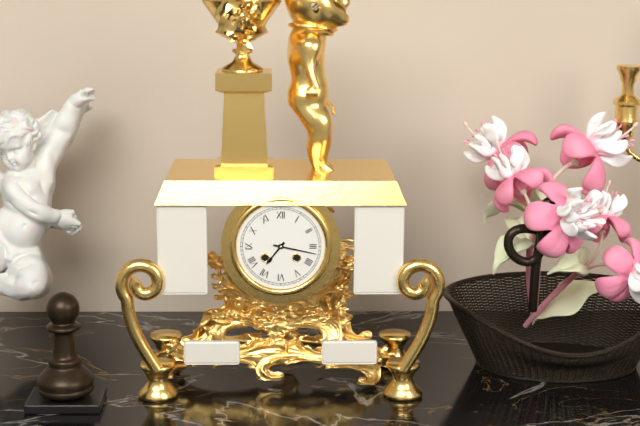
7:17
